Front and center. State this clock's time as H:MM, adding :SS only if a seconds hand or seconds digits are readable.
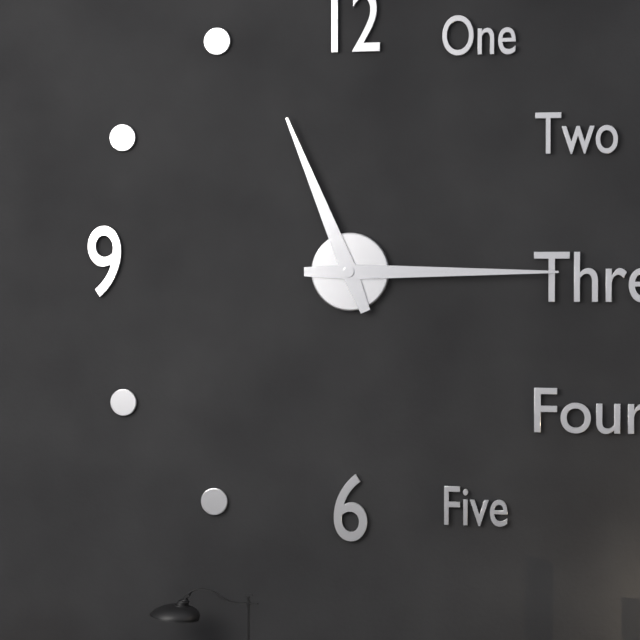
11:15
